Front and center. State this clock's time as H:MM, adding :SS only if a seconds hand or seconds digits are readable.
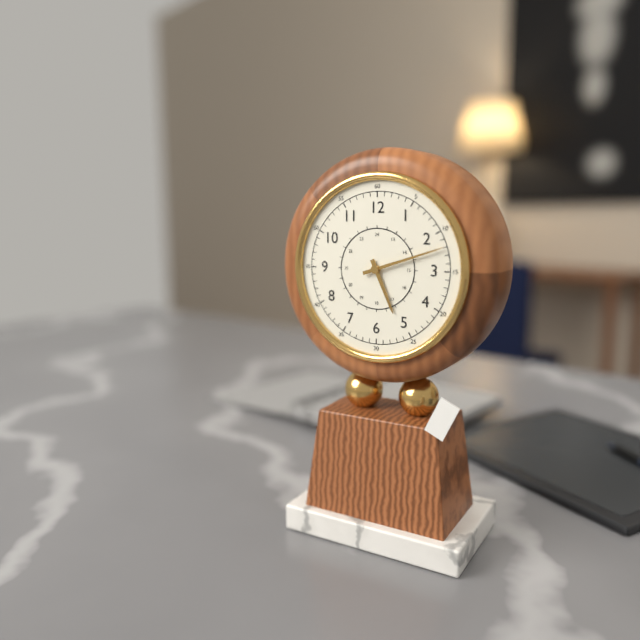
5:12
